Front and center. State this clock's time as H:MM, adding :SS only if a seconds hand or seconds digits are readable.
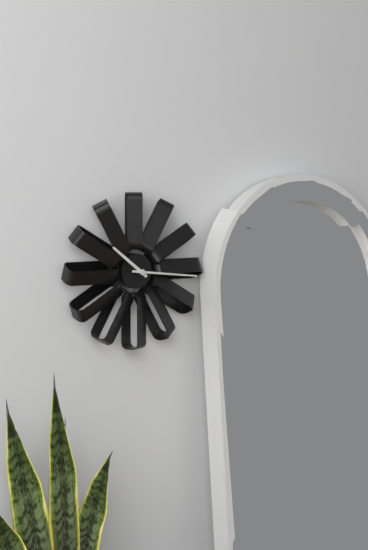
10:16
